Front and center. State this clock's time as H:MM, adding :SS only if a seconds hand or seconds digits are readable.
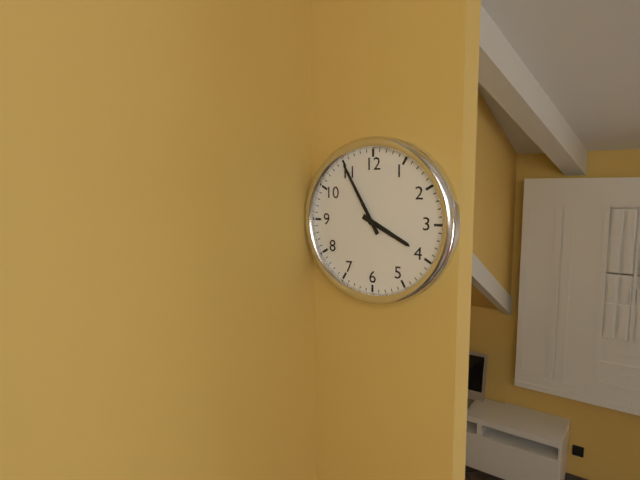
3:55
